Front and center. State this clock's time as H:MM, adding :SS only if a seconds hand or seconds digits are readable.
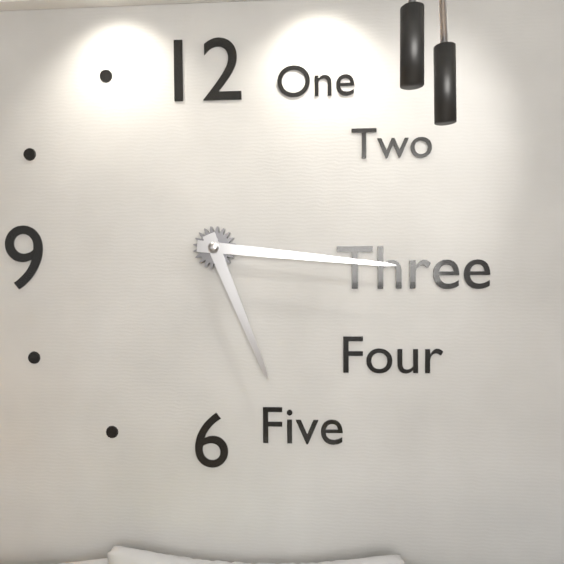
5:16
